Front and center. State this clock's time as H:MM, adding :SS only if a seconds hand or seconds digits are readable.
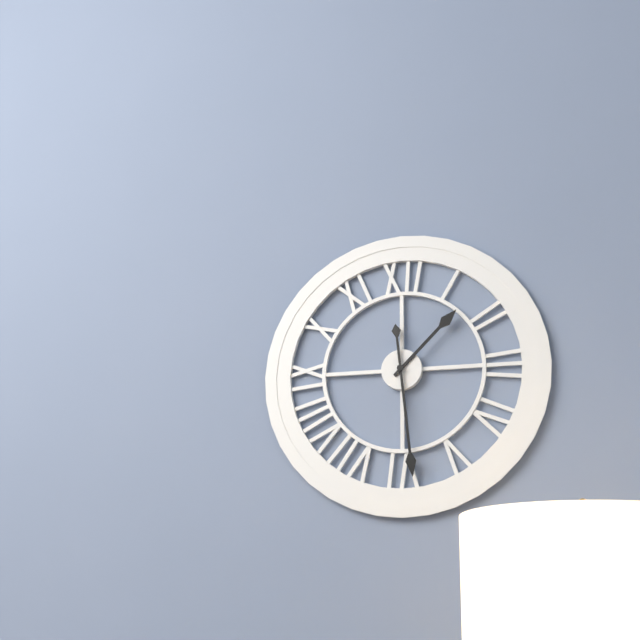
1:29
